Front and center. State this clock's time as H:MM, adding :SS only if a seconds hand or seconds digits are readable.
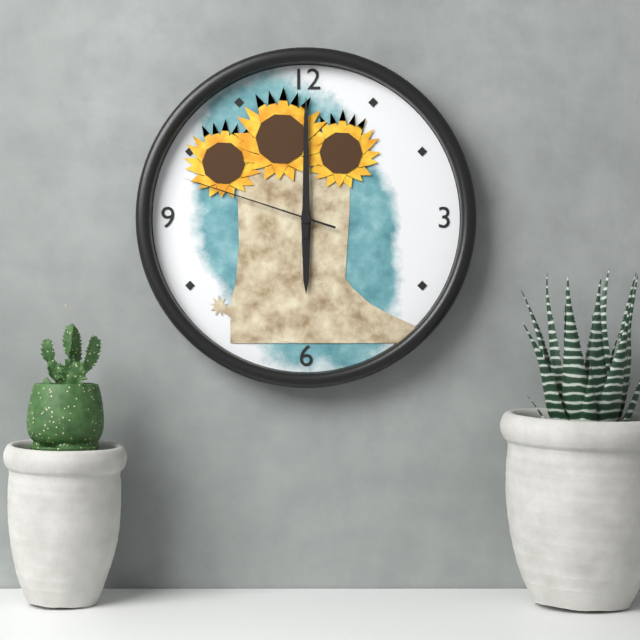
6:00:48
